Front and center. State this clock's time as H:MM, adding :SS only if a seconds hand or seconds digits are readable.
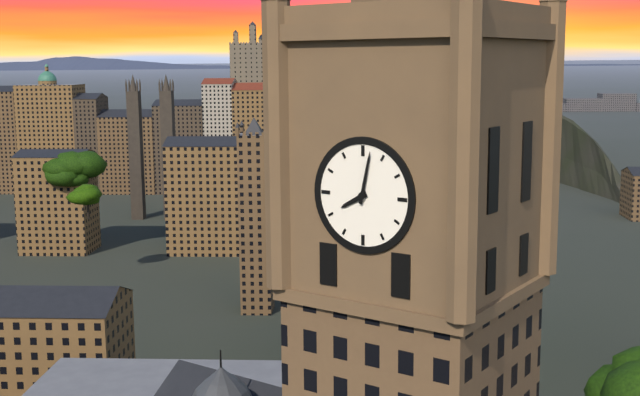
8:02
